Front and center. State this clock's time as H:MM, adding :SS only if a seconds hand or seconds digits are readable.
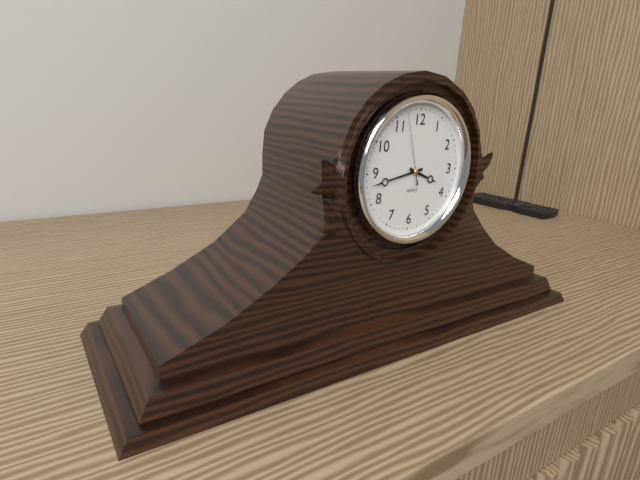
3:43:57
